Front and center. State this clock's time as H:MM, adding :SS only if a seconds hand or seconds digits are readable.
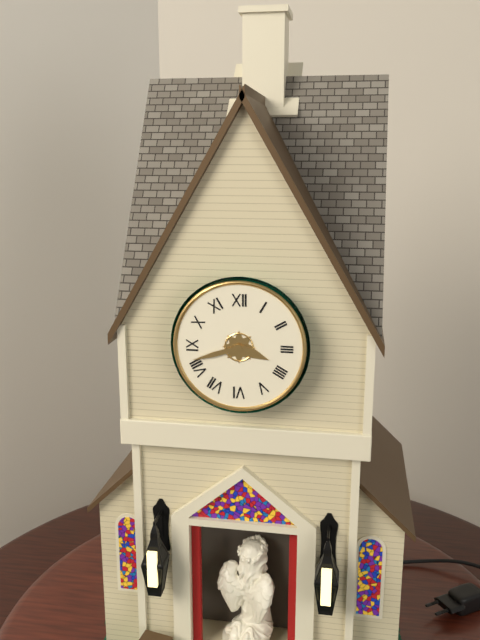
3:42
